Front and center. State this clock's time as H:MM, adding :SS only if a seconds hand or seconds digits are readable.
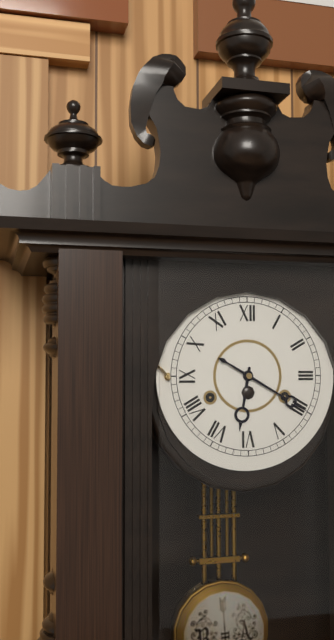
6:20
